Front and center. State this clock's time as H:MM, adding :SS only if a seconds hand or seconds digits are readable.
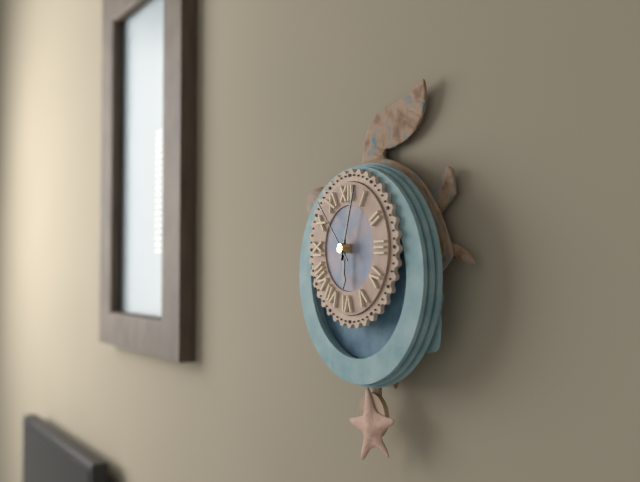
6:03:53
